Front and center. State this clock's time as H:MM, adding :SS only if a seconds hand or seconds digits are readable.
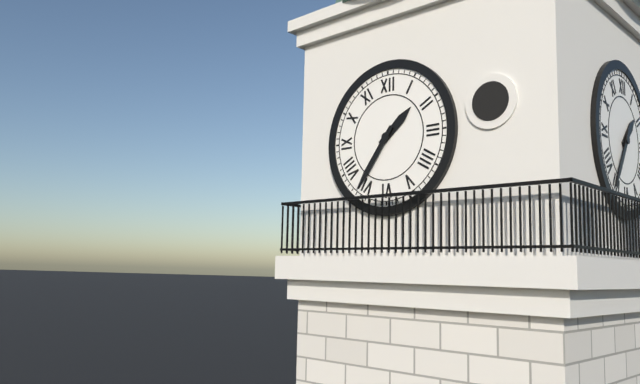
1:36
